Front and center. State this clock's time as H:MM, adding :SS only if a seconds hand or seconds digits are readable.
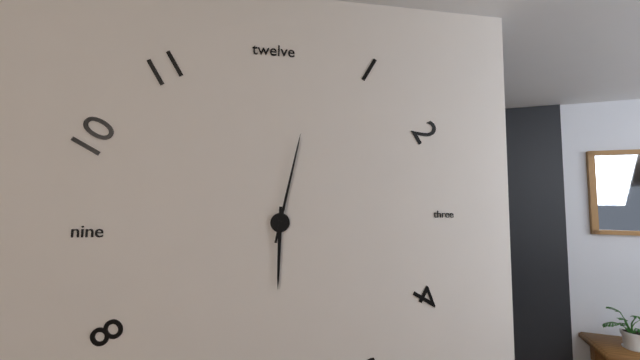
6:02
